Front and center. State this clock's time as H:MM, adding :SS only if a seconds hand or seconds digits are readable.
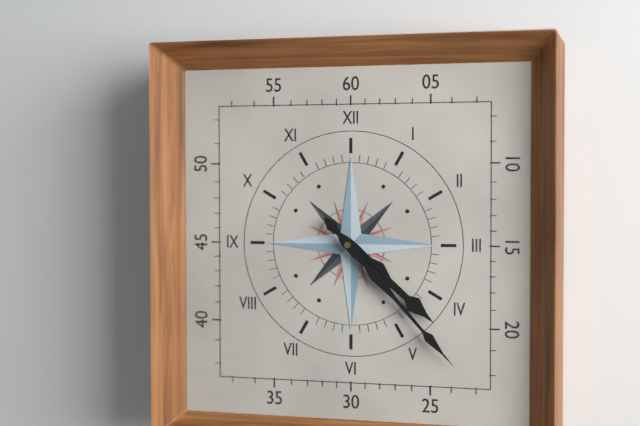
4:23
